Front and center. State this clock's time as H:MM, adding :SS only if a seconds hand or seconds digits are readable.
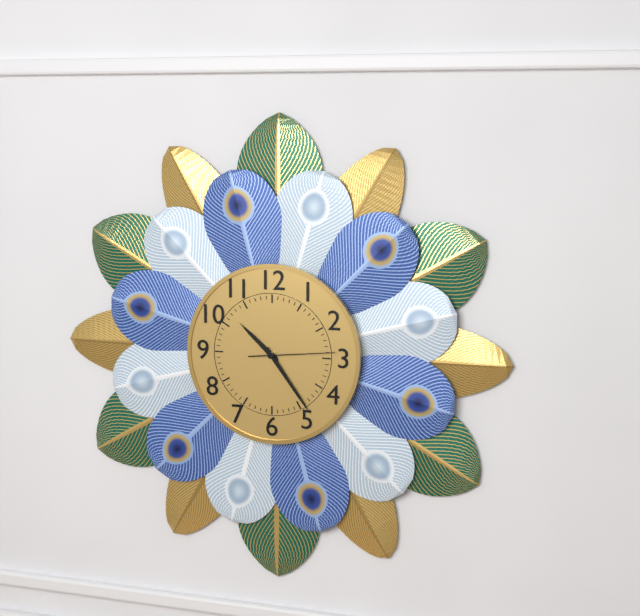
10:24:14
